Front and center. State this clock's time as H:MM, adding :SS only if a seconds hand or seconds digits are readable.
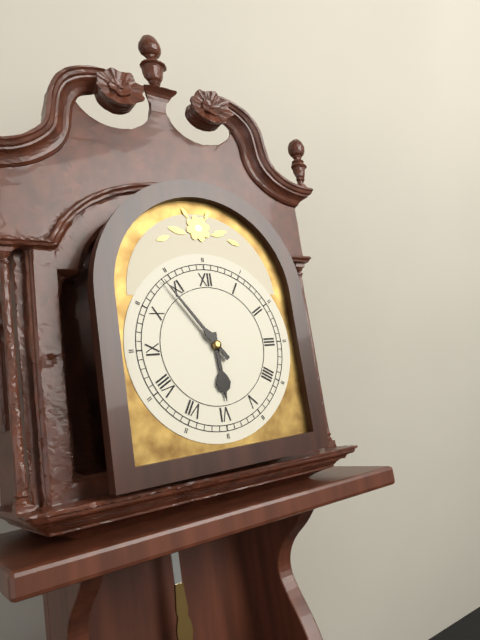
5:54
